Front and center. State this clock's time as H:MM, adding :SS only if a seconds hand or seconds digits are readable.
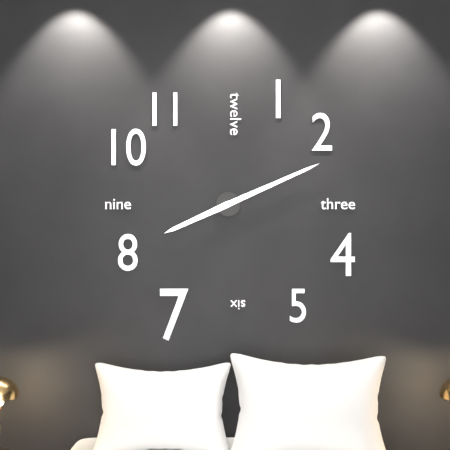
8:11
